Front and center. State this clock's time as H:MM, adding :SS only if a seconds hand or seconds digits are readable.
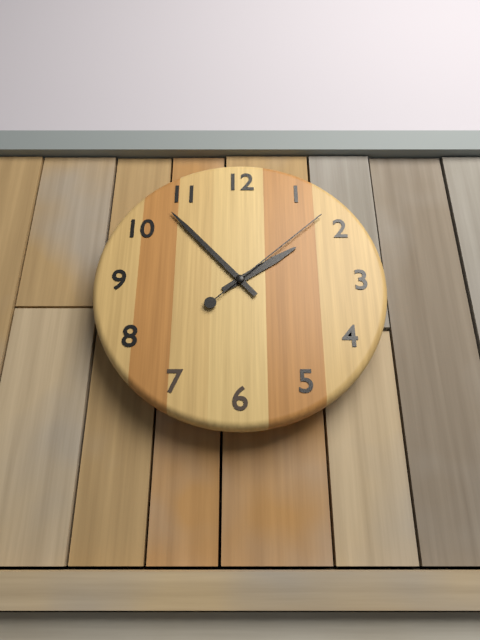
1:53:08
